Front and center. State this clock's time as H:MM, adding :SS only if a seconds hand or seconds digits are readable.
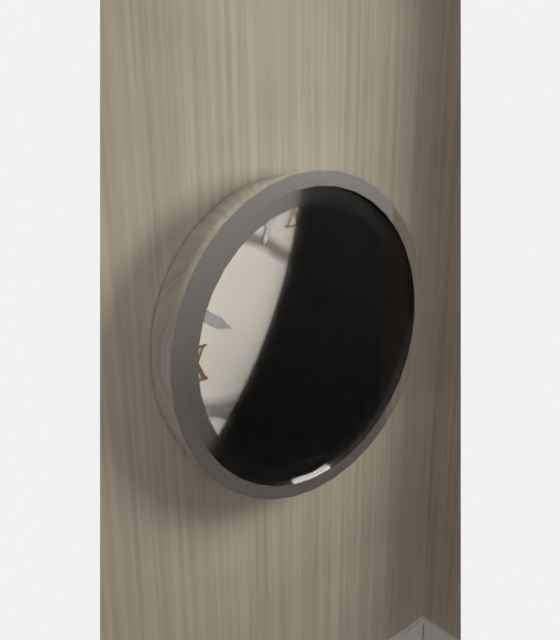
3:08
